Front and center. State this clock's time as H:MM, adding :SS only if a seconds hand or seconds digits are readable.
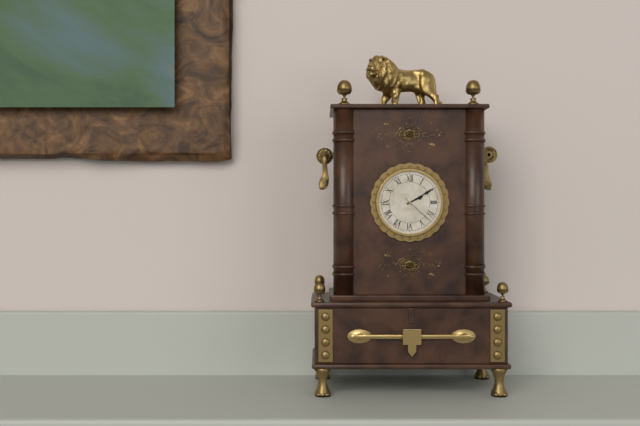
2:10
